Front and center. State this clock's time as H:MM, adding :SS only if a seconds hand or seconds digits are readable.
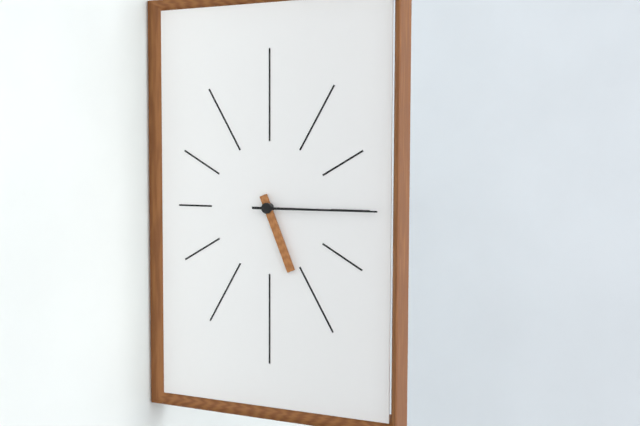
5:15
